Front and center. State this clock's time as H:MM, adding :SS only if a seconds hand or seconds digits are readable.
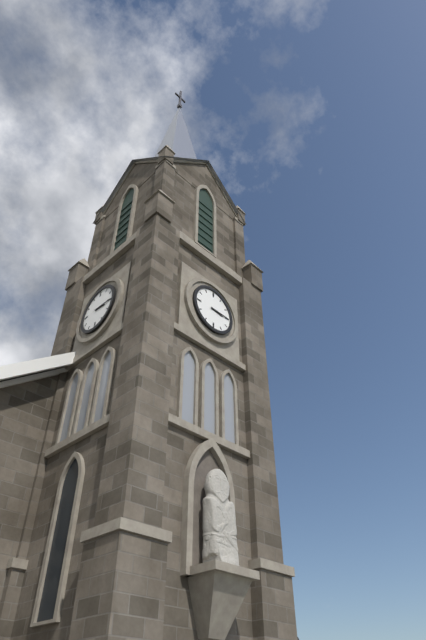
3:15
